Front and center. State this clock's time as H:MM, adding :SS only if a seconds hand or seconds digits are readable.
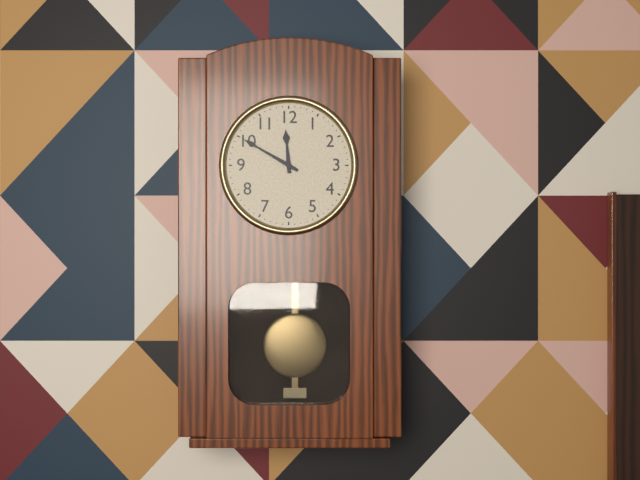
11:50
